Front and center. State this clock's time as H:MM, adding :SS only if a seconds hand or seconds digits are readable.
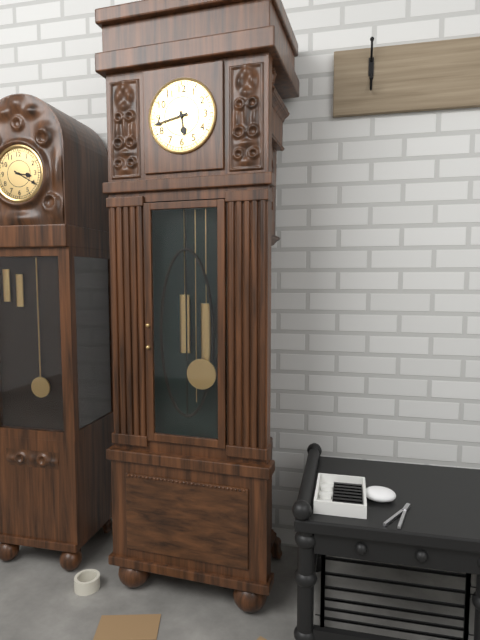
5:43
